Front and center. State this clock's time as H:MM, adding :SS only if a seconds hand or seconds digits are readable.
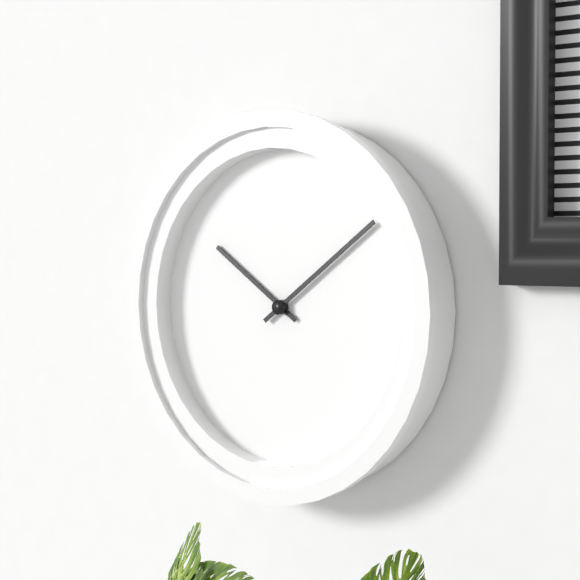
10:09
